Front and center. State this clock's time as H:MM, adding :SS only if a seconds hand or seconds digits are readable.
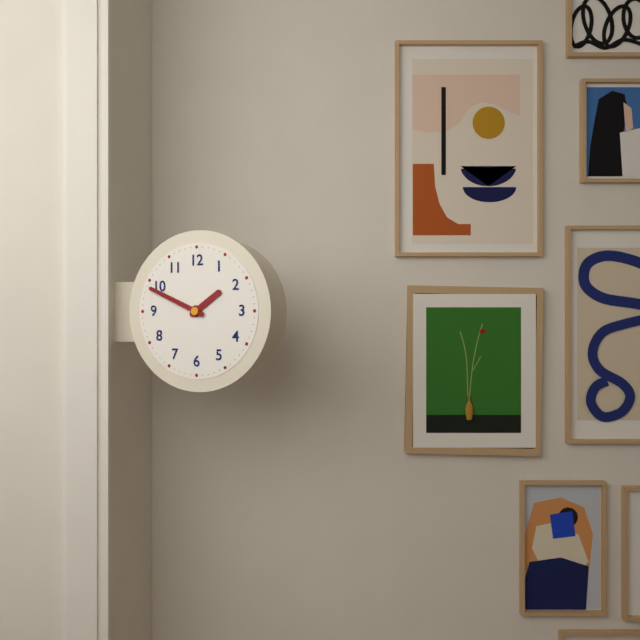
1:49
